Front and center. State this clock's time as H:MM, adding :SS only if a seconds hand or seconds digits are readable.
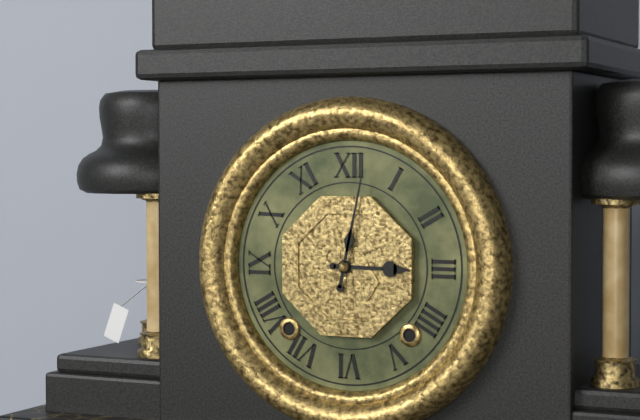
3:02
